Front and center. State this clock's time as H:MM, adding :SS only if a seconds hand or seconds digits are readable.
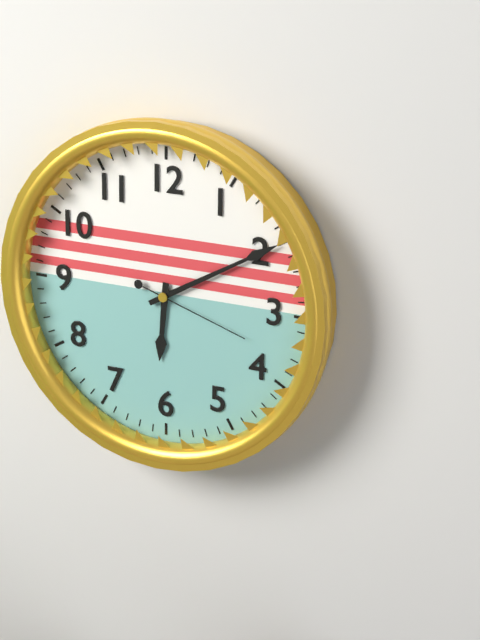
6:10:18
